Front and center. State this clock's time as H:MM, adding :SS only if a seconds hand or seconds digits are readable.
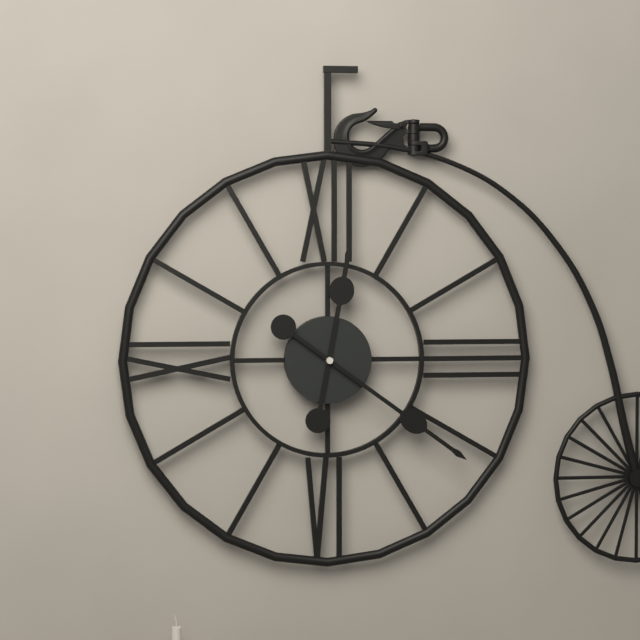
12:21
